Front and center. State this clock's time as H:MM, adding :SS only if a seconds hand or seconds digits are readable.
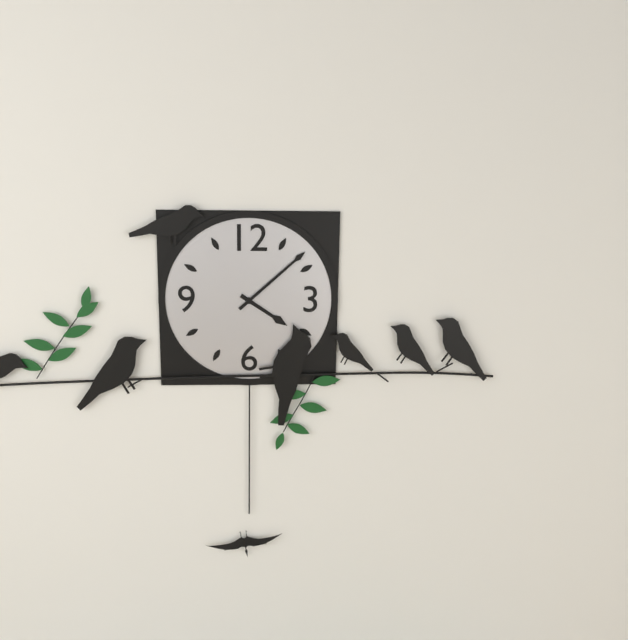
4:08
